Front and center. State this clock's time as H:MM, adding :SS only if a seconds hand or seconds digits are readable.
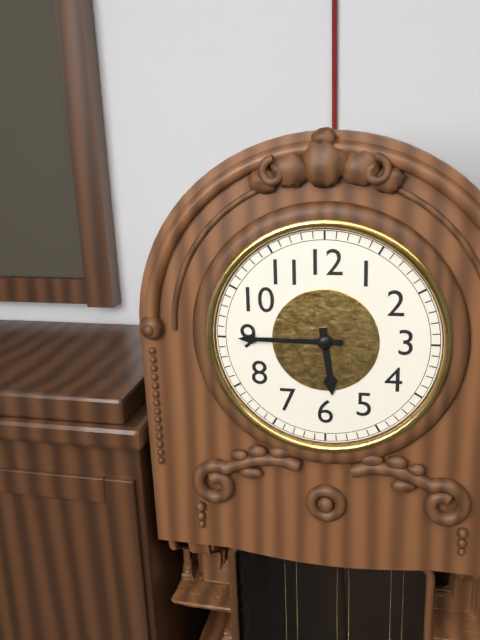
5:45
